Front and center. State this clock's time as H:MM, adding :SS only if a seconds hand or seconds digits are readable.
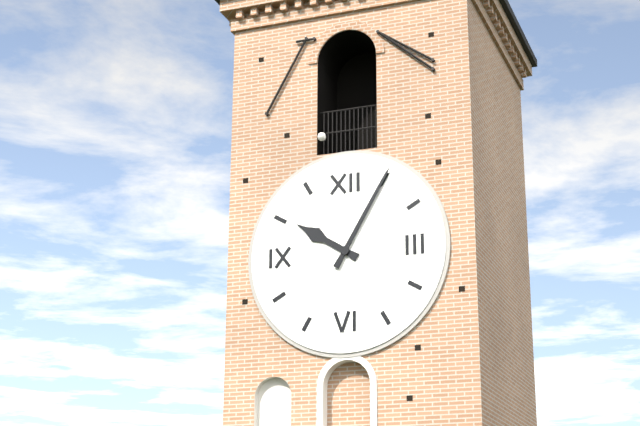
10:05
